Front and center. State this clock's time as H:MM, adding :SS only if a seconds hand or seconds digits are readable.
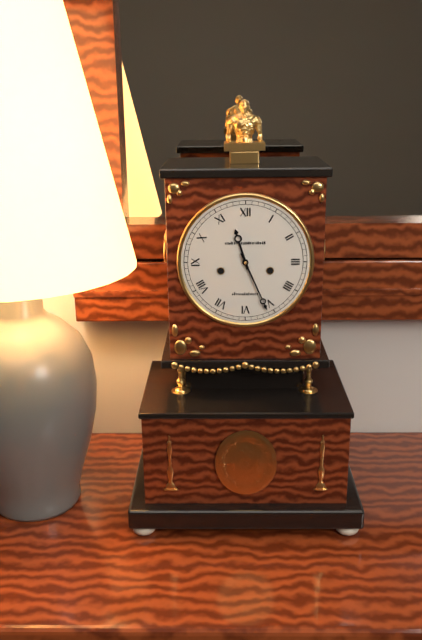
11:26
